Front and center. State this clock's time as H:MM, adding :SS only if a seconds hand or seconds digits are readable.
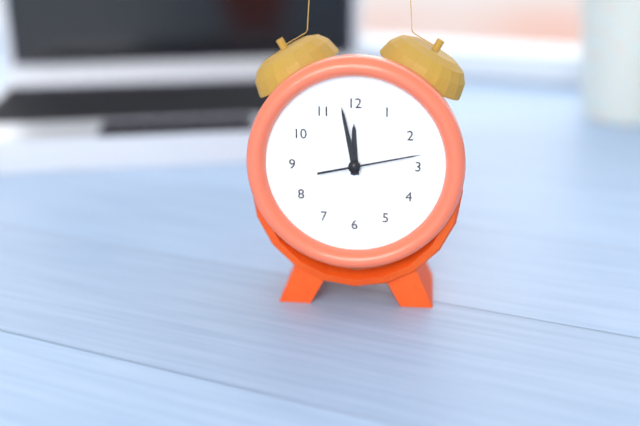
11:58:13
